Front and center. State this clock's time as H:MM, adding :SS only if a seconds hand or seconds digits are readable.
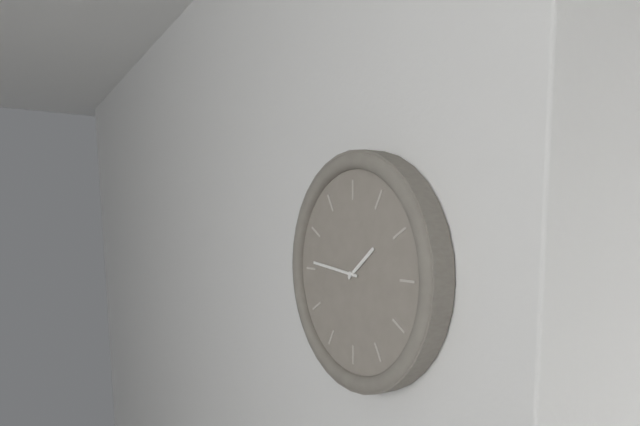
1:46
